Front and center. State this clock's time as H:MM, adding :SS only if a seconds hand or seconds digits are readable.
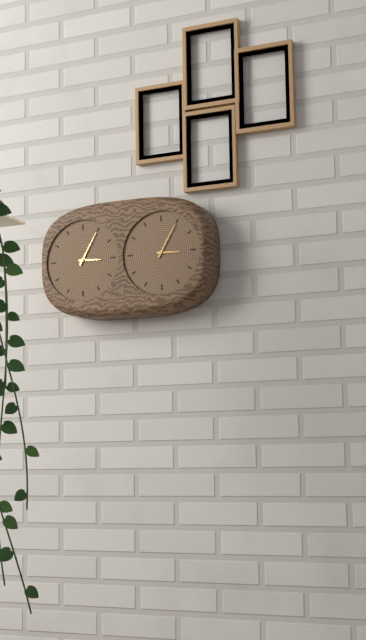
3:05
